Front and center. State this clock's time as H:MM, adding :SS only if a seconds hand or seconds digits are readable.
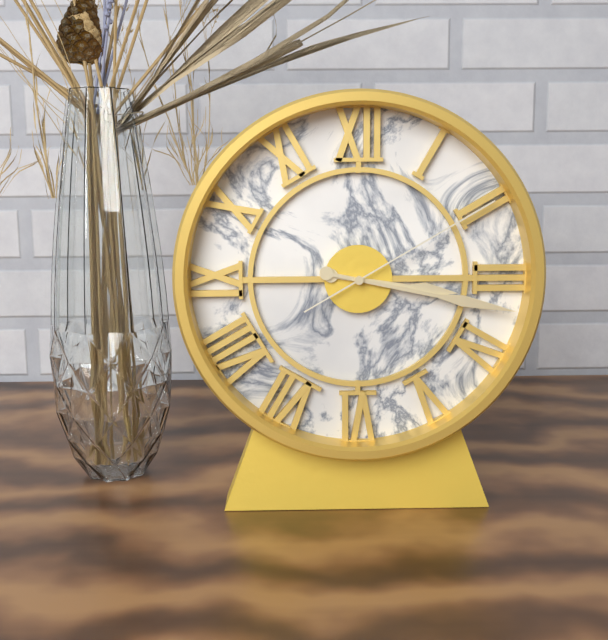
3:17:10
